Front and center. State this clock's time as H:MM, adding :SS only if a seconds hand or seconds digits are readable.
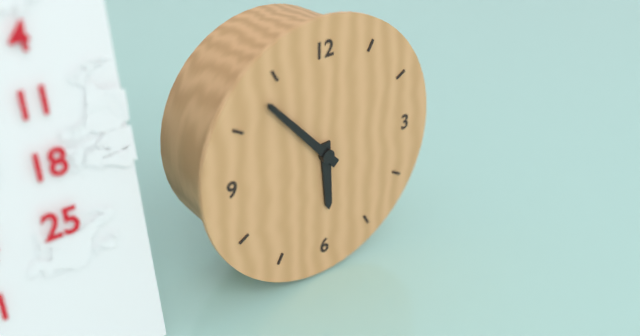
5:53
